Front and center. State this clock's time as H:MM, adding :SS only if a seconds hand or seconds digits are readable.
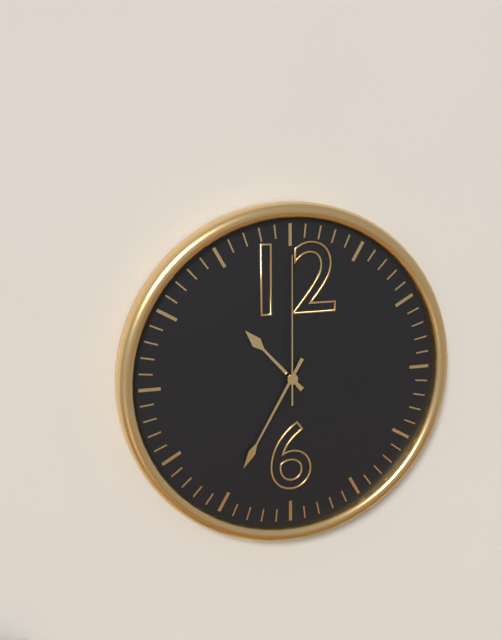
10:35:00
